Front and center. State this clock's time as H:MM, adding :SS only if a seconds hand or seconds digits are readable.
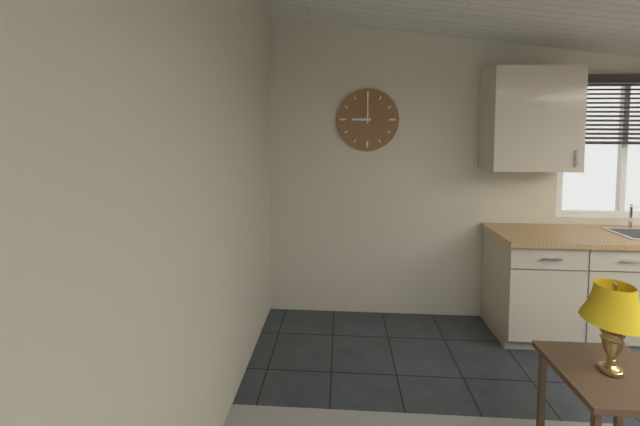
9:00
